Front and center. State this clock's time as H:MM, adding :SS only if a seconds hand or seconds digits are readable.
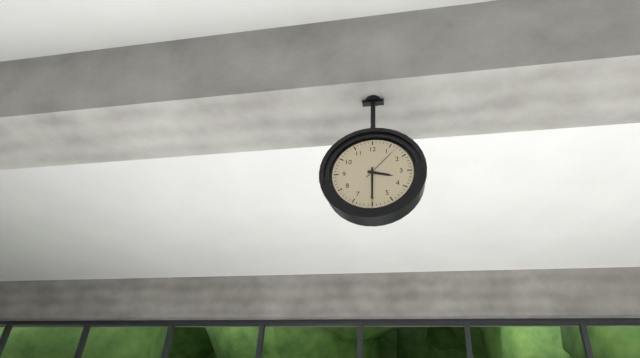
3:30
